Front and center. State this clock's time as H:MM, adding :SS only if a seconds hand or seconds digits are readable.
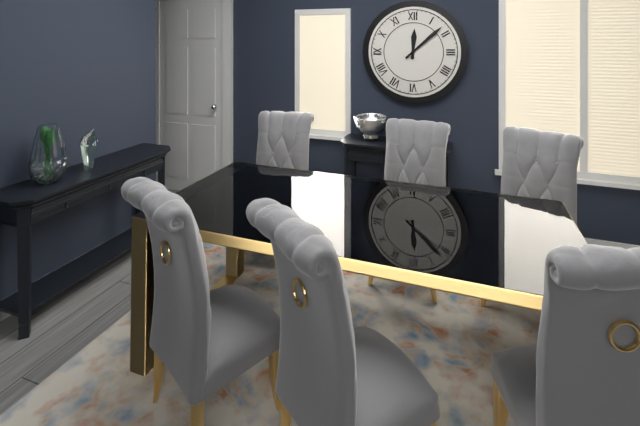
12:08
